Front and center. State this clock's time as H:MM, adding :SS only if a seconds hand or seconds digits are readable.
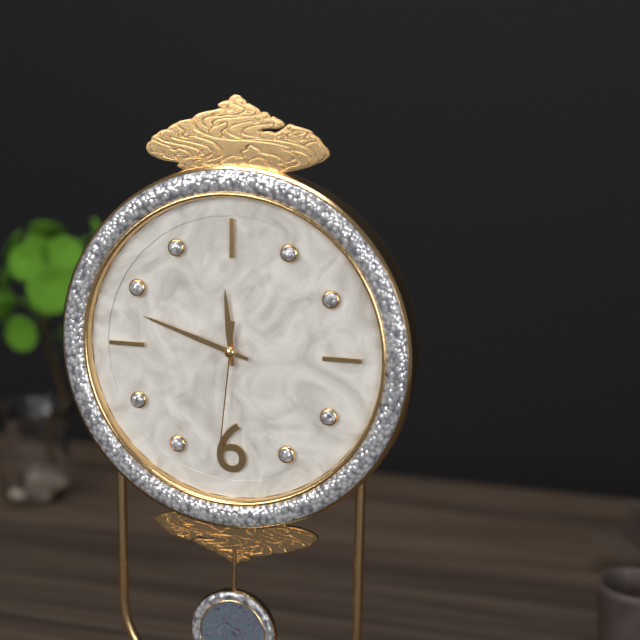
11:48:31
